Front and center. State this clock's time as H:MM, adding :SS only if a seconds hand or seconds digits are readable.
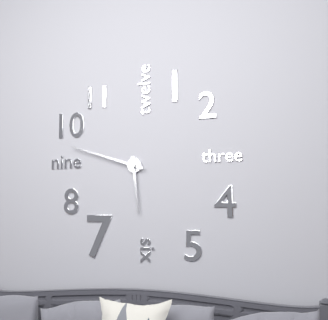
5:48
